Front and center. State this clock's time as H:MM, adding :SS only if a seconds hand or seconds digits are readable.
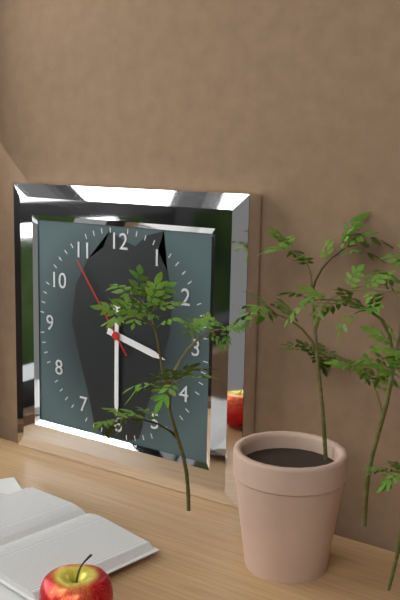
3:30:54
